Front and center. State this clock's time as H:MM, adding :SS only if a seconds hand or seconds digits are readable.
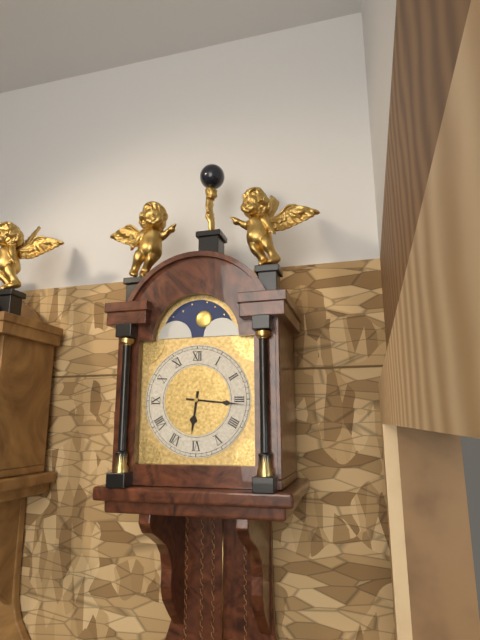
6:16
